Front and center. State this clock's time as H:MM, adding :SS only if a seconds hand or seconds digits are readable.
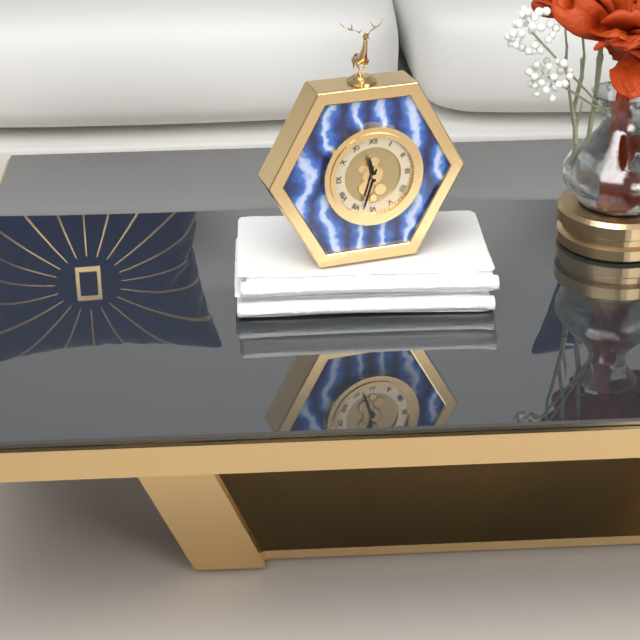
11:33
